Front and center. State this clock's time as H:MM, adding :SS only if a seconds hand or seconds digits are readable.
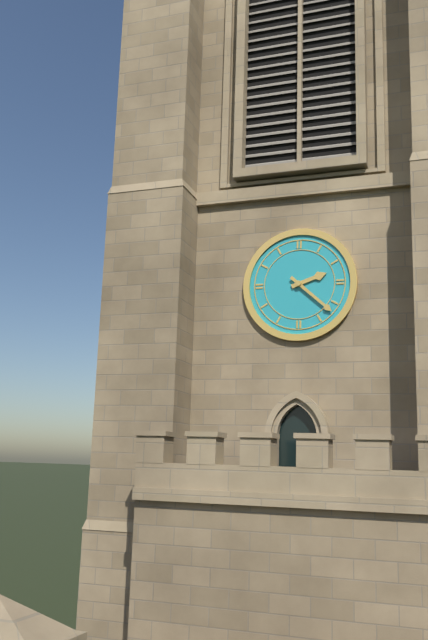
2:22
